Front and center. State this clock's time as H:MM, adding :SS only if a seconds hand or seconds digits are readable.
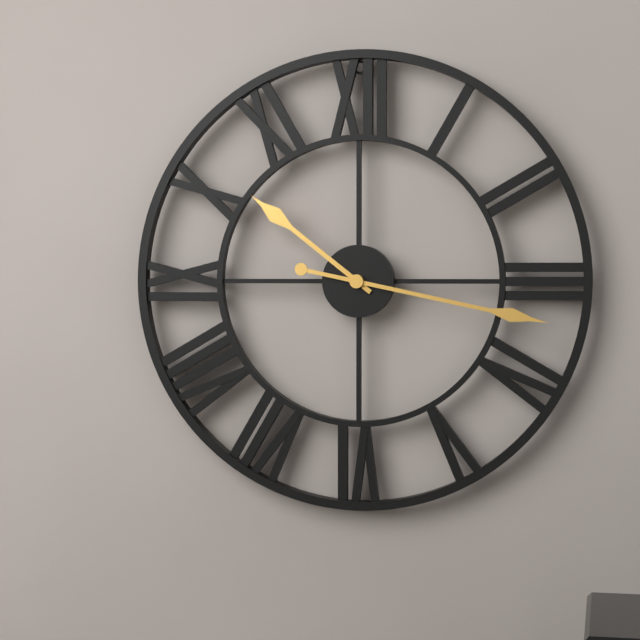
10:17
